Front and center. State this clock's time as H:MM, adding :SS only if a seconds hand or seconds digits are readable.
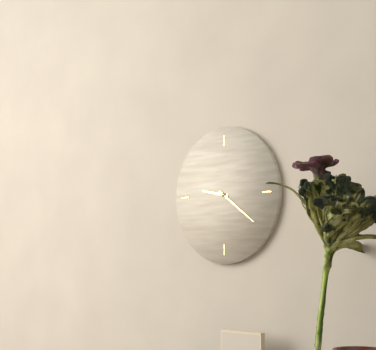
9:21
